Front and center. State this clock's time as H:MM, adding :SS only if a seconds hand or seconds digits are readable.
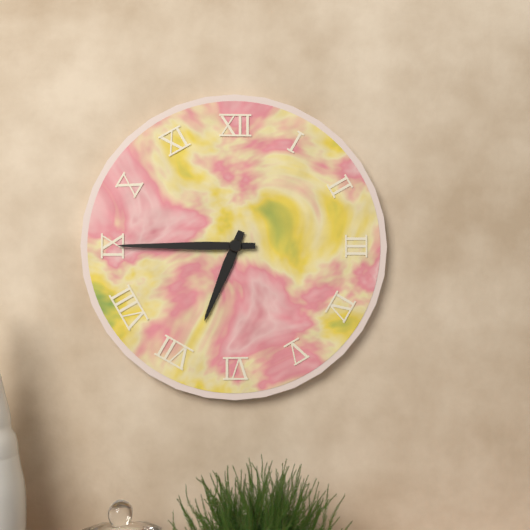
6:45
